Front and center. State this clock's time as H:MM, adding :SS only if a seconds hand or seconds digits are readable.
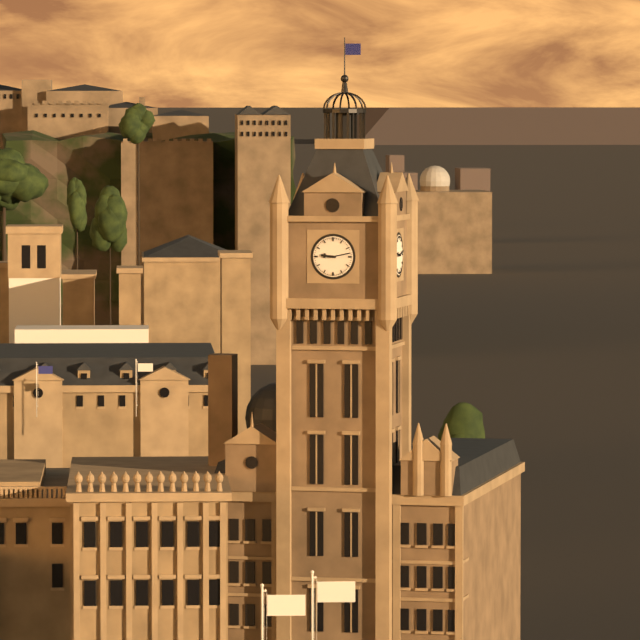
9:13
